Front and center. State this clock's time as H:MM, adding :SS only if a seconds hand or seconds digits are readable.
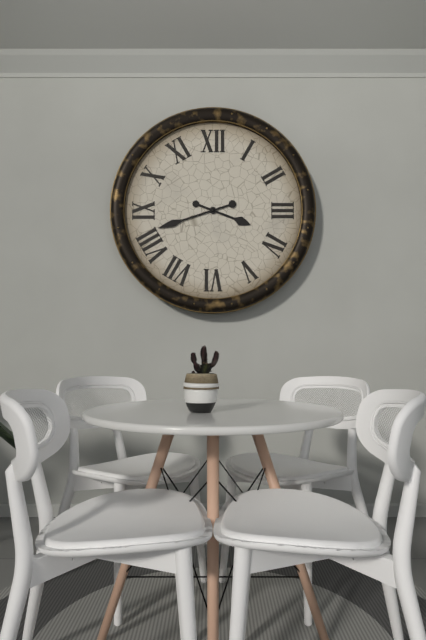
3:42
